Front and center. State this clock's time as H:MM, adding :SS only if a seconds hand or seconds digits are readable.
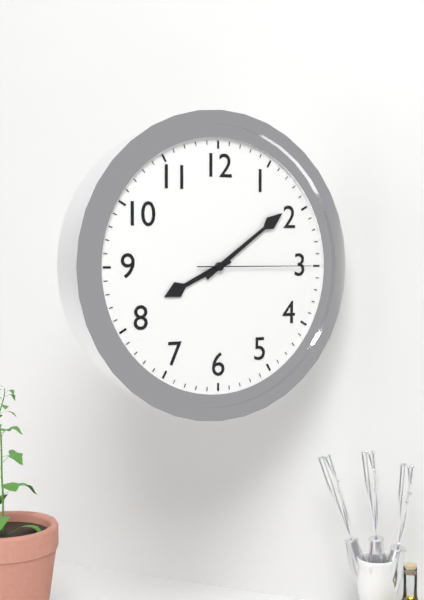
8:09:15
